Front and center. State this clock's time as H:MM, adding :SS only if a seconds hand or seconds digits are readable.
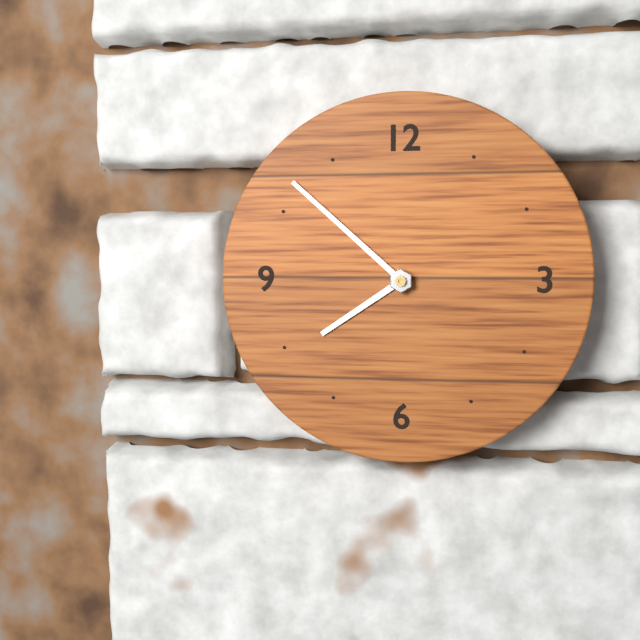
7:52
